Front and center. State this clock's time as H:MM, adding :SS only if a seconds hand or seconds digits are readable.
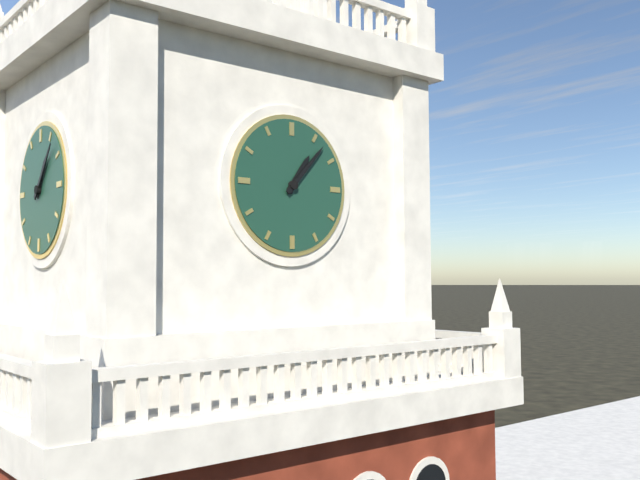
1:07
